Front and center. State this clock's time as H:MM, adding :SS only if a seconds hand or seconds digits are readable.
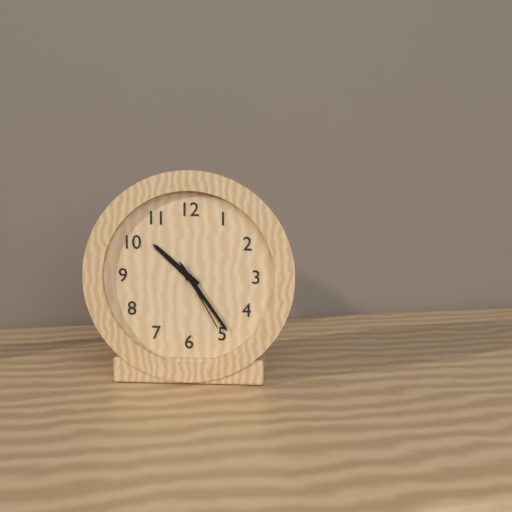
10:24:25
